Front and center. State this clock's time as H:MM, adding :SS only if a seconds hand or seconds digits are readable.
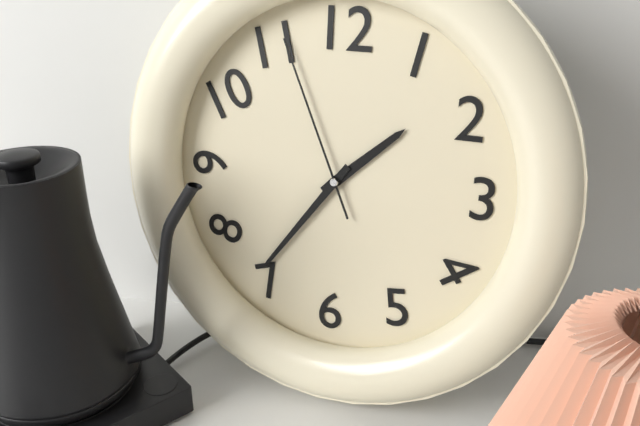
1:36:56
